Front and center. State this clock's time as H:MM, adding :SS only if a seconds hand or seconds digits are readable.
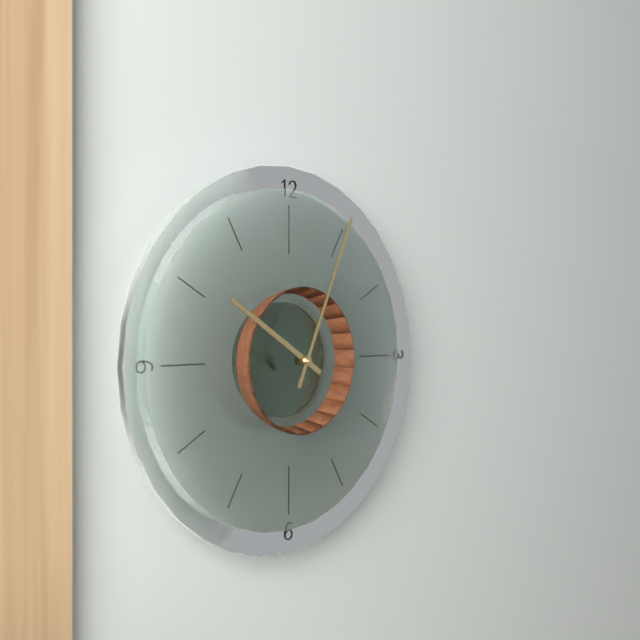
10:04
